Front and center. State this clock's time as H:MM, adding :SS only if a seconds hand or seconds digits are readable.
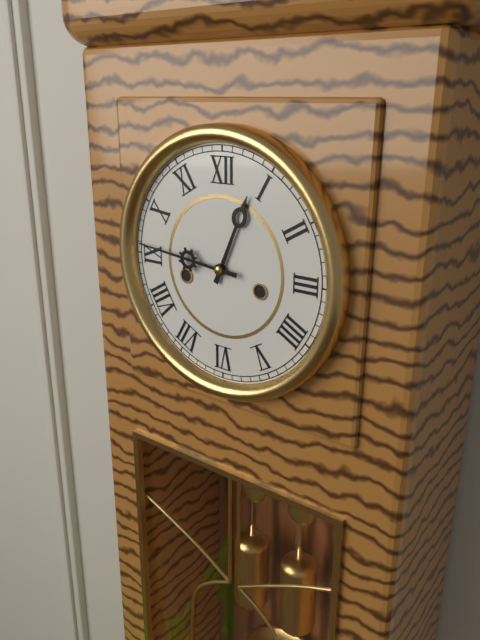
12:46
